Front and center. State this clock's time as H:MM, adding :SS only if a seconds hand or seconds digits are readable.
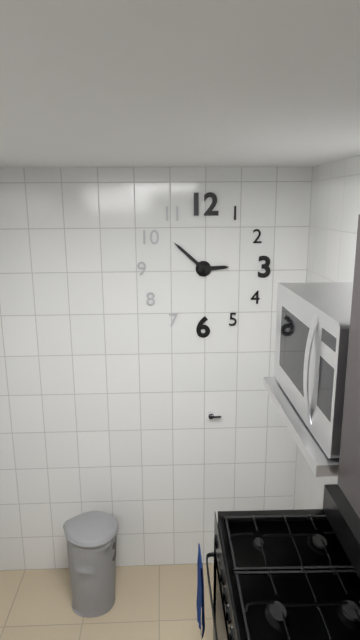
2:52
